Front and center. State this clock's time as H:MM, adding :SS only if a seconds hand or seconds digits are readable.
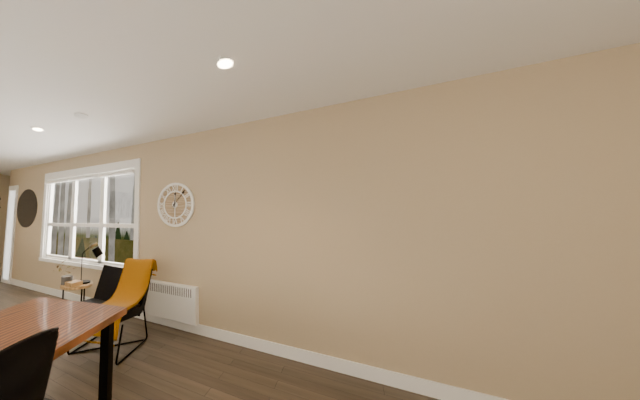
12:07
